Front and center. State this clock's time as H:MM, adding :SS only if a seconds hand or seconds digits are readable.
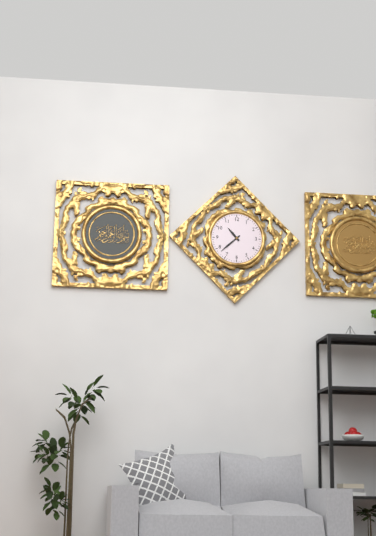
10:38
